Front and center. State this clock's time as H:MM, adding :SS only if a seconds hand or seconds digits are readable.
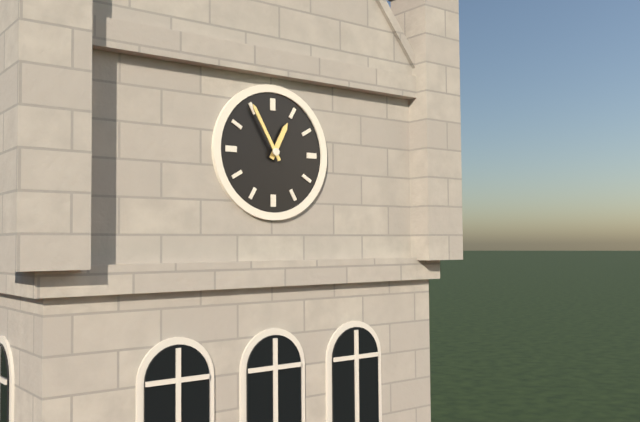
12:55
